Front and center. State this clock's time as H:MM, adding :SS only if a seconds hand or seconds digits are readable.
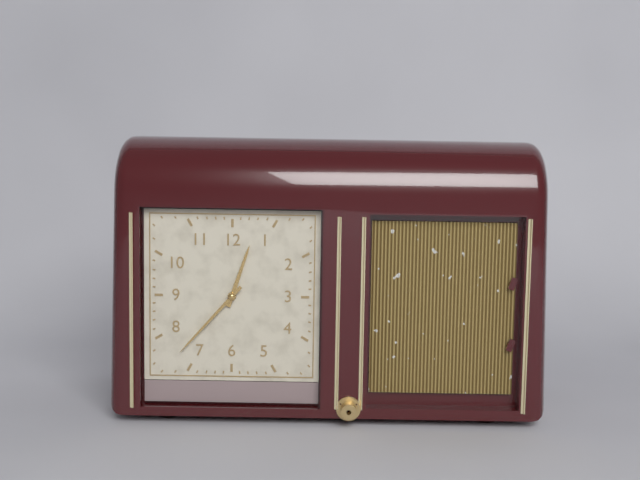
12:37
